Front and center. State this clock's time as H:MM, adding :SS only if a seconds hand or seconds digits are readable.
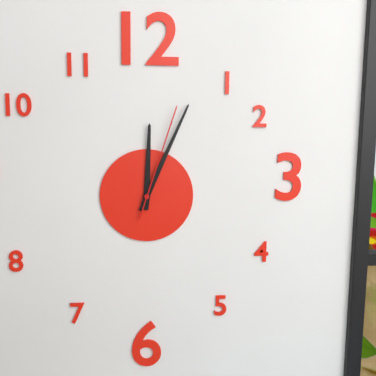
12:04:03
